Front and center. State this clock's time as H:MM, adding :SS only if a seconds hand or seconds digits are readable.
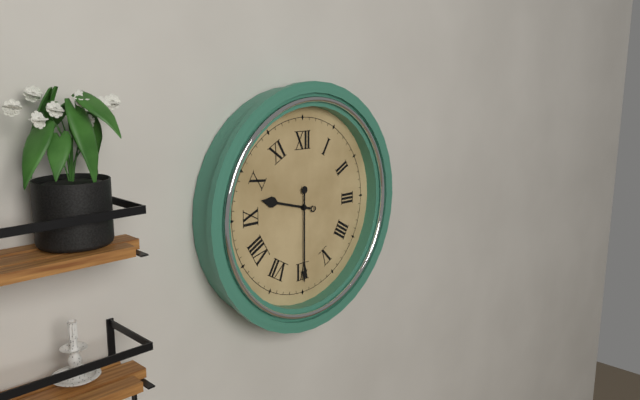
9:30
